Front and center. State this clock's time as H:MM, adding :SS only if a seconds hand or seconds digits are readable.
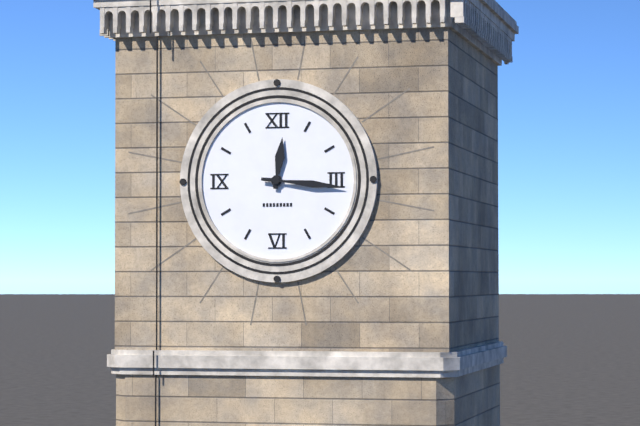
12:16
